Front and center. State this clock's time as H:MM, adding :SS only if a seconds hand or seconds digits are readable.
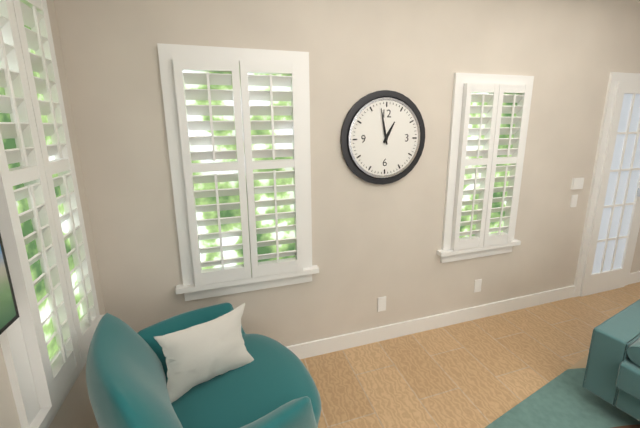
12:58
